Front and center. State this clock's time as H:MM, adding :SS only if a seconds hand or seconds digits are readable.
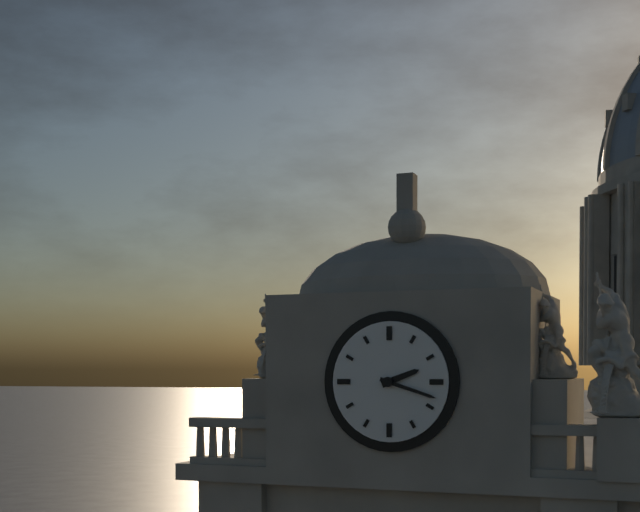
2:18
